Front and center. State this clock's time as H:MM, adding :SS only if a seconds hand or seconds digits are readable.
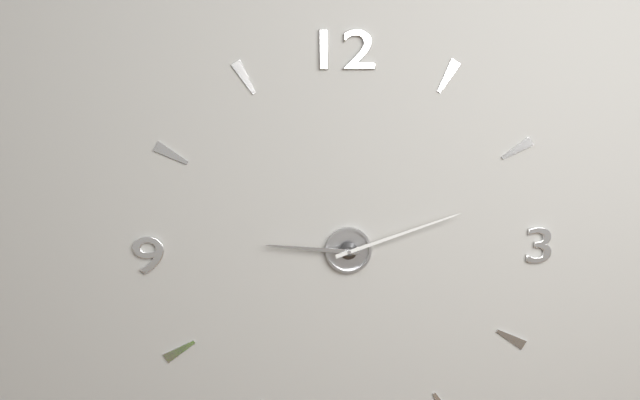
9:12
